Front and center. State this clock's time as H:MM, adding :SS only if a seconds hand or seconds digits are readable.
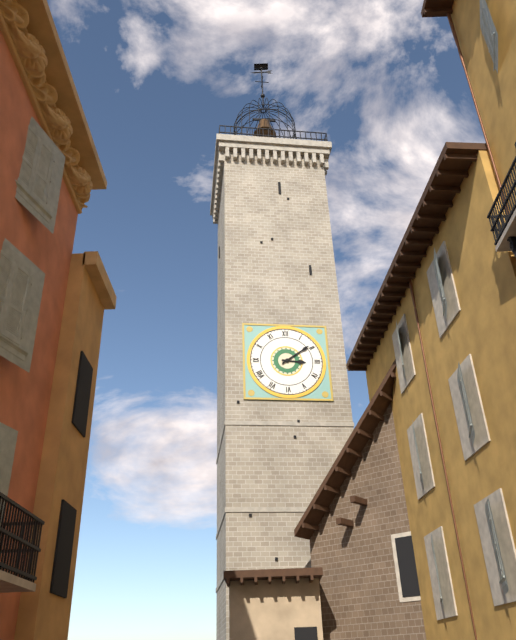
3:09
